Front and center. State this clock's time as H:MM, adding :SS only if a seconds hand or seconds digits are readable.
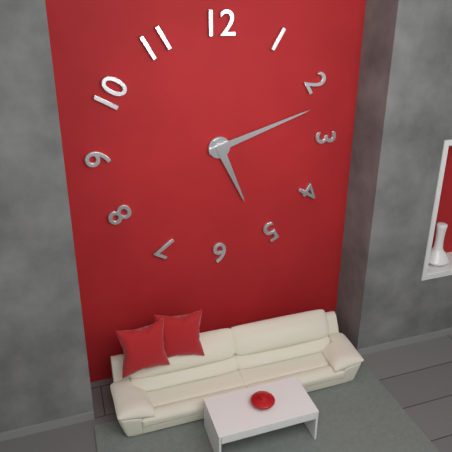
5:12
